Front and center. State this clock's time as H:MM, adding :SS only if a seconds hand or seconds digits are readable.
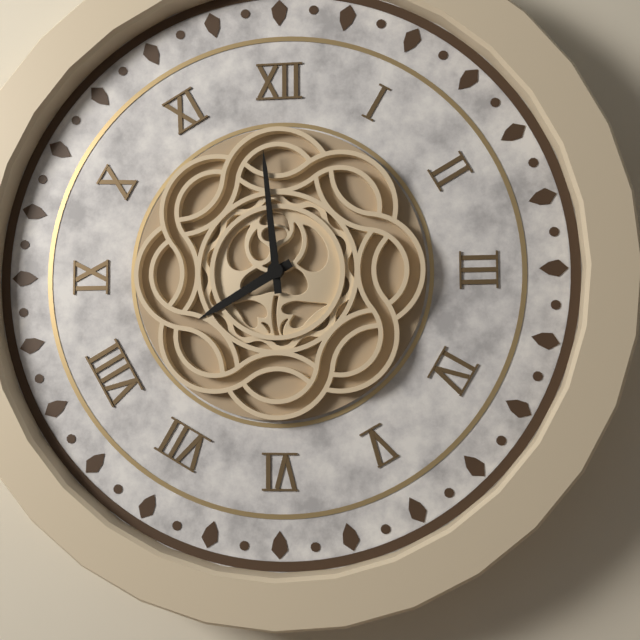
7:59
